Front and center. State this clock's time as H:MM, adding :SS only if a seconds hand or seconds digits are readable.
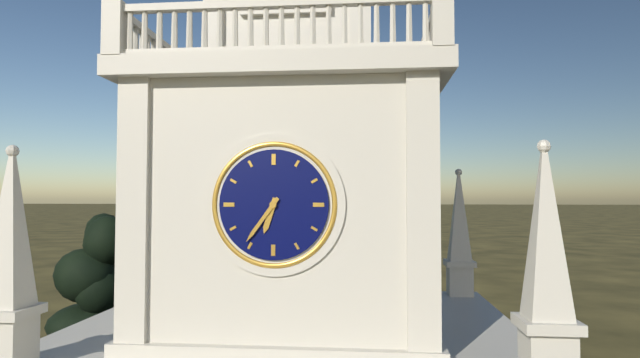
6:36
